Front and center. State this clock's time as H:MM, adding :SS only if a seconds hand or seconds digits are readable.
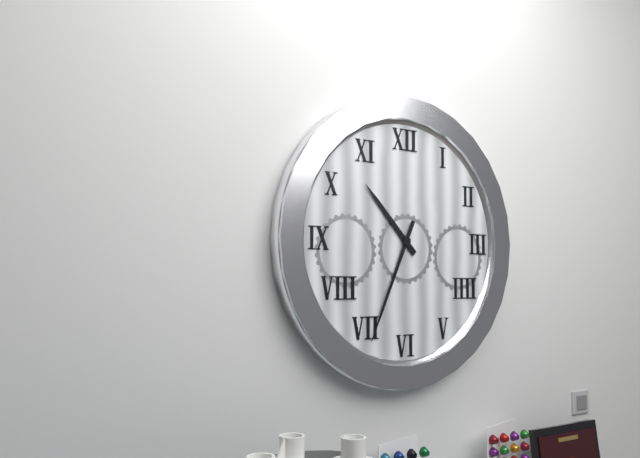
10:34
